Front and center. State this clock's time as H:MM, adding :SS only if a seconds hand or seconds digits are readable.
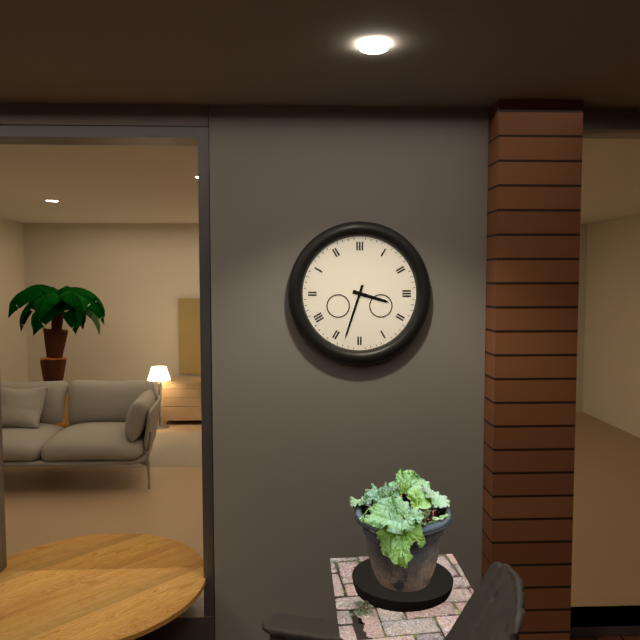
3:33
